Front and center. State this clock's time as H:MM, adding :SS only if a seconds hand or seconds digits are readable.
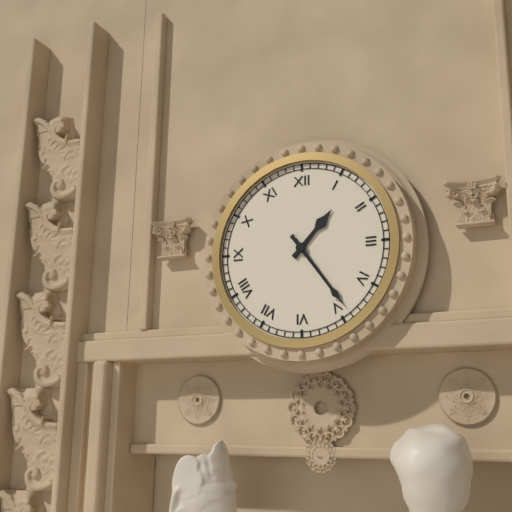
1:24
